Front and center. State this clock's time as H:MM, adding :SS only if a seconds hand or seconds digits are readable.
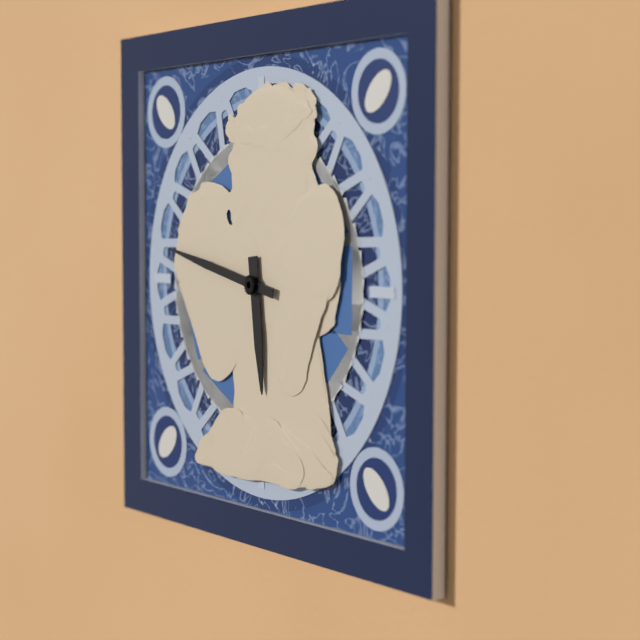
5:47
